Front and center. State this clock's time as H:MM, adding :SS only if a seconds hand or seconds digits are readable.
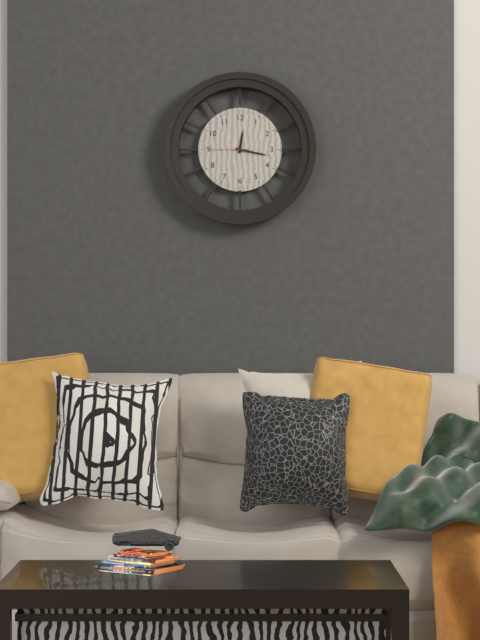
12:17
